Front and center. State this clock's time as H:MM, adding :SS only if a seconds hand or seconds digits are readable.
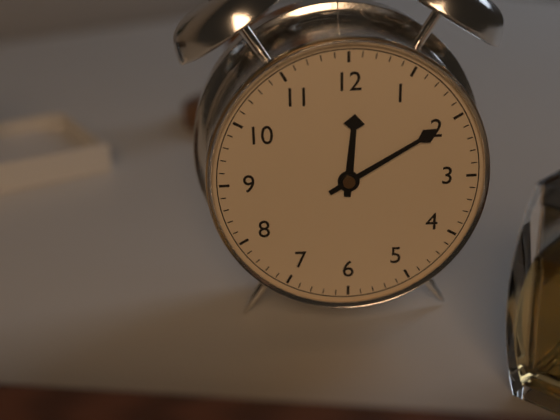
12:10
